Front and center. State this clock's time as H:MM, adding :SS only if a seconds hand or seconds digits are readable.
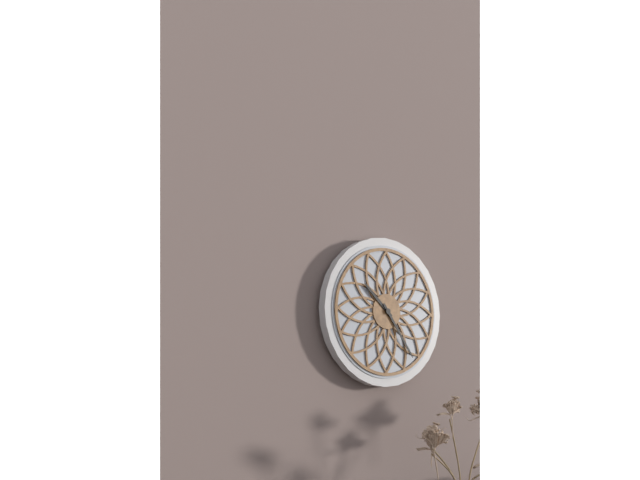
10:24
